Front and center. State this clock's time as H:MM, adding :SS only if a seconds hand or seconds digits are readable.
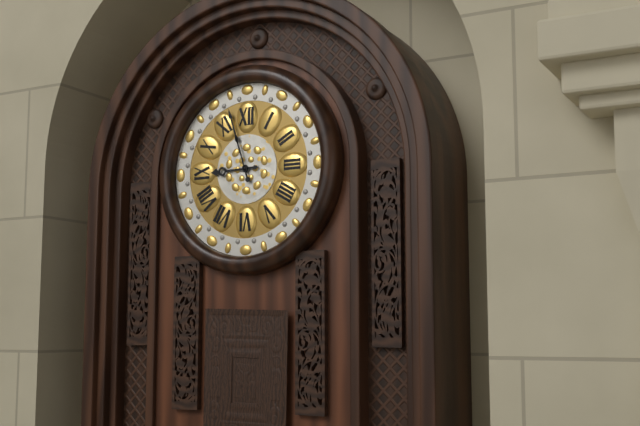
8:57
